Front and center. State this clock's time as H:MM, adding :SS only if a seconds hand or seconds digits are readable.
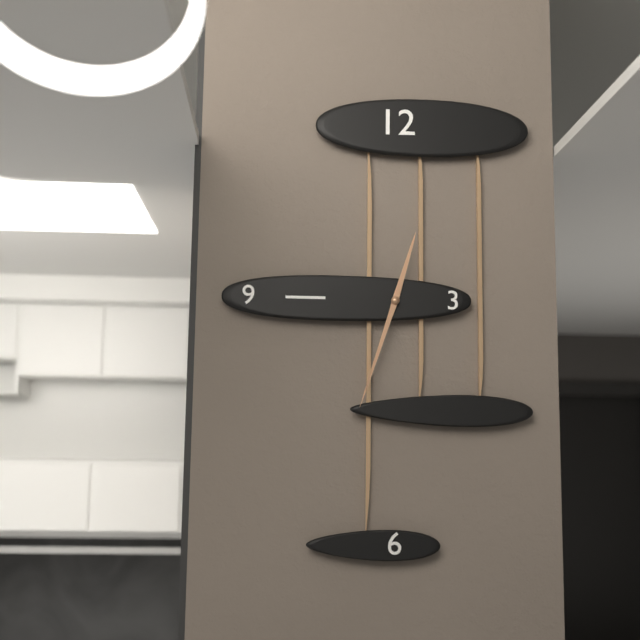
12:33
